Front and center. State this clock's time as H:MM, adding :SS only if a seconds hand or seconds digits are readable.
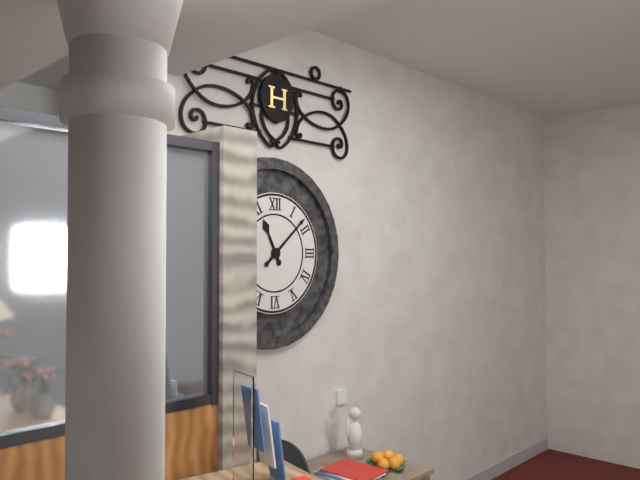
11:08
